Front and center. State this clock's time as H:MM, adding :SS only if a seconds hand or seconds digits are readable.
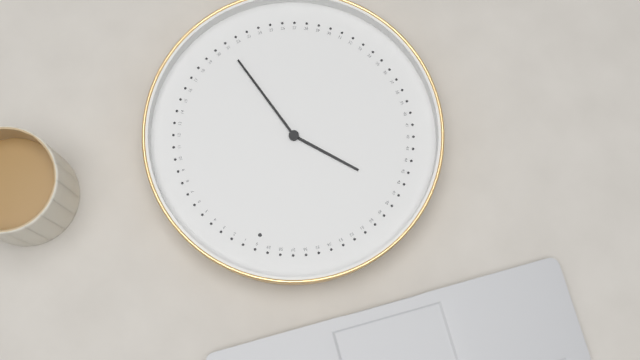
9:21
